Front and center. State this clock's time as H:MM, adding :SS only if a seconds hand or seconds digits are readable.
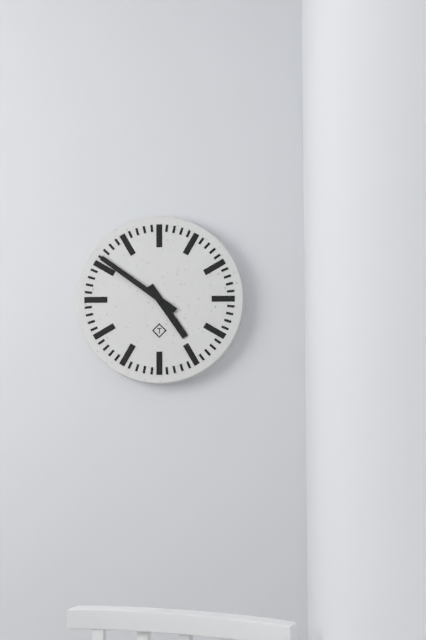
4:51
